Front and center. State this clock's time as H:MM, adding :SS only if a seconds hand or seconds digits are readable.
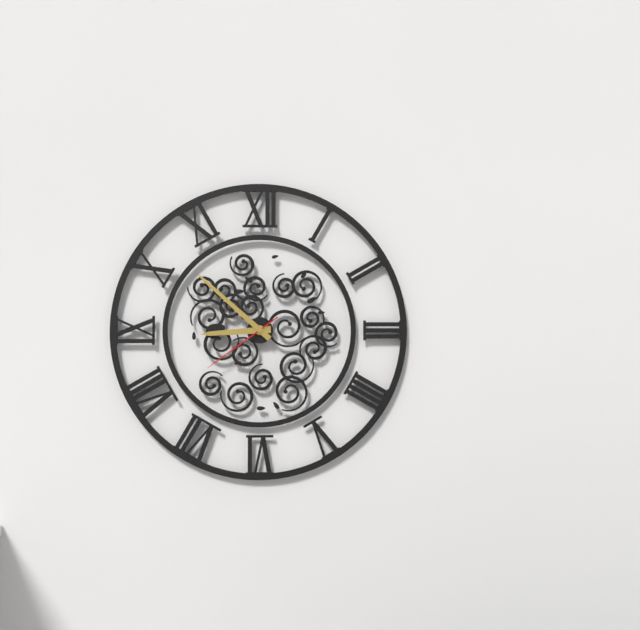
8:52:39
